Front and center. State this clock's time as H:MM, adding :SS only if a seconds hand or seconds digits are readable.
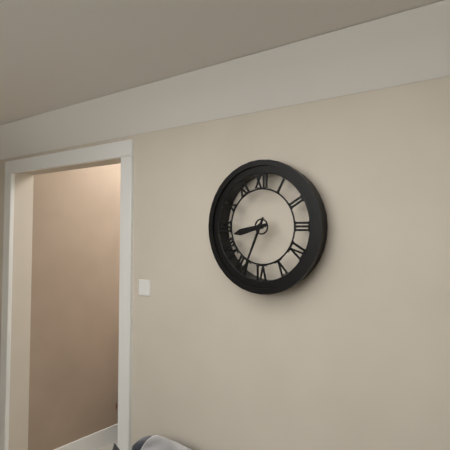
8:34
